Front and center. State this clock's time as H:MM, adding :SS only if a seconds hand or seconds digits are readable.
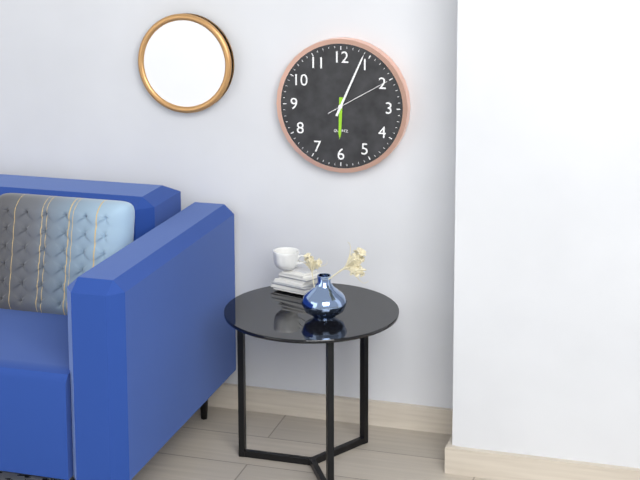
6:04:10
